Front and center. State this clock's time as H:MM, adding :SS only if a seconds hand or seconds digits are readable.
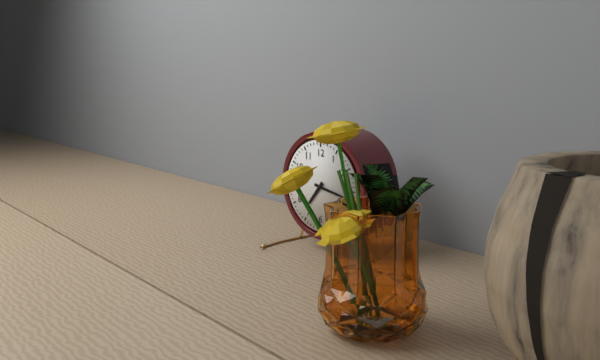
7:17
